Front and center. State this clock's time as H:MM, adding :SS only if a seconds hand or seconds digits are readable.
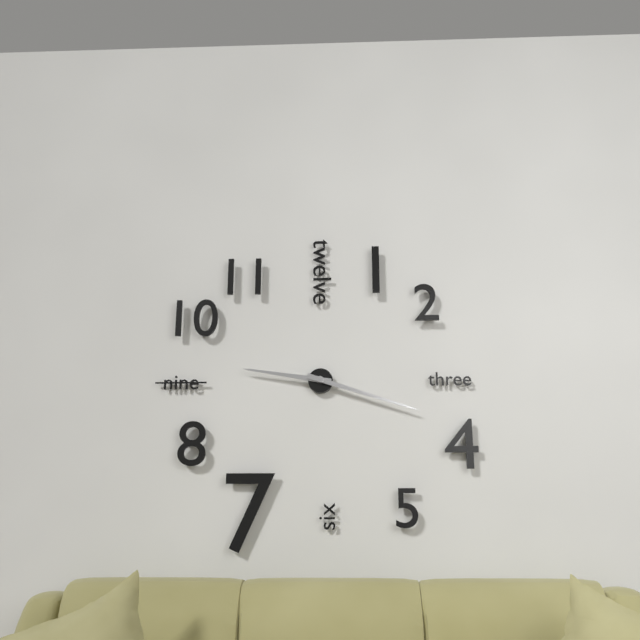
9:18
